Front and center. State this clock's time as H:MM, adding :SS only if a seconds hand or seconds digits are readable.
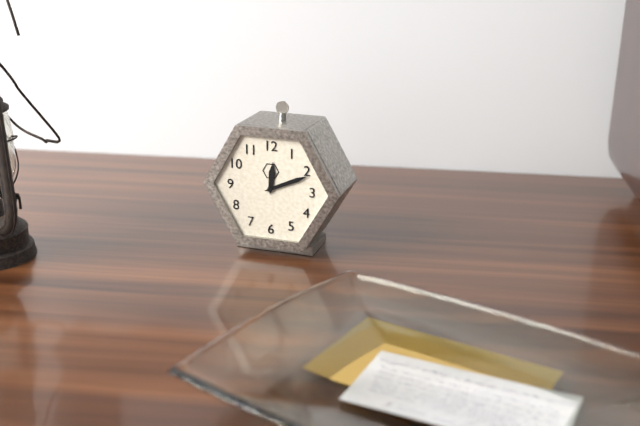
12:11
